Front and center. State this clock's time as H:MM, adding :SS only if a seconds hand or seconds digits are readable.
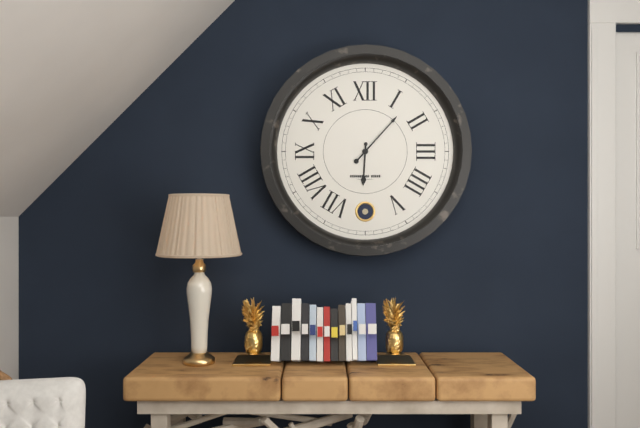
6:07
